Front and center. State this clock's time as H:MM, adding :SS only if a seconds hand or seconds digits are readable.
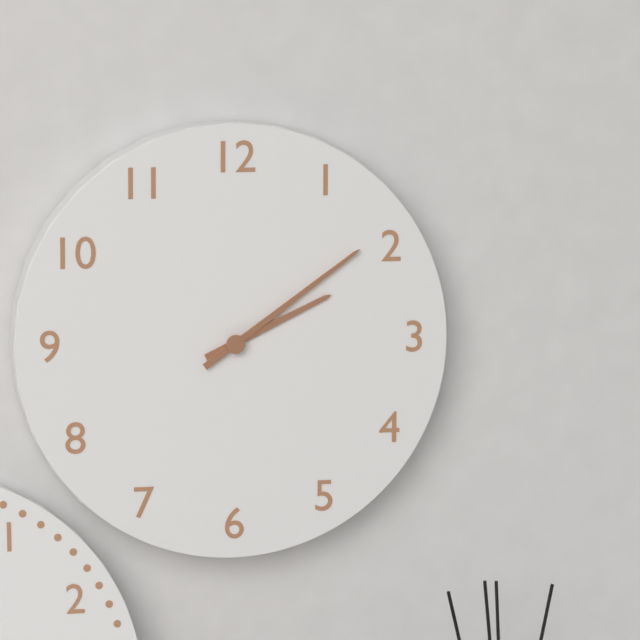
2:09
